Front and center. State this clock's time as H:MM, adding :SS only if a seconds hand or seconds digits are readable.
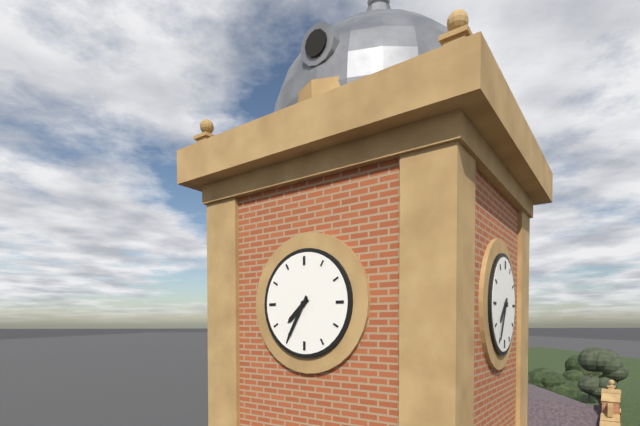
7:35
